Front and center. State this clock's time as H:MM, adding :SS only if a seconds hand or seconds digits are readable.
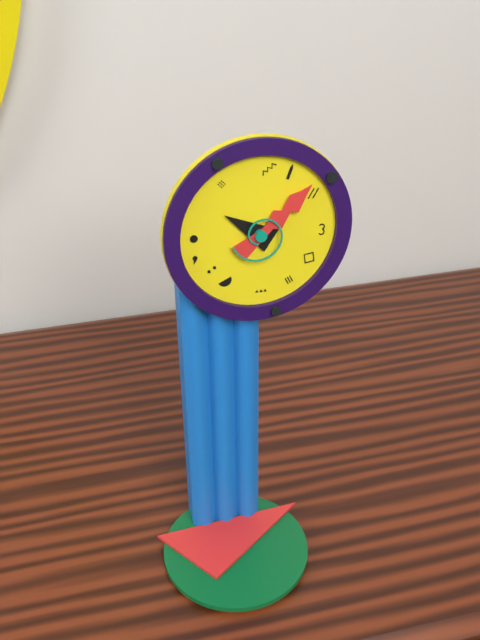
10:08
